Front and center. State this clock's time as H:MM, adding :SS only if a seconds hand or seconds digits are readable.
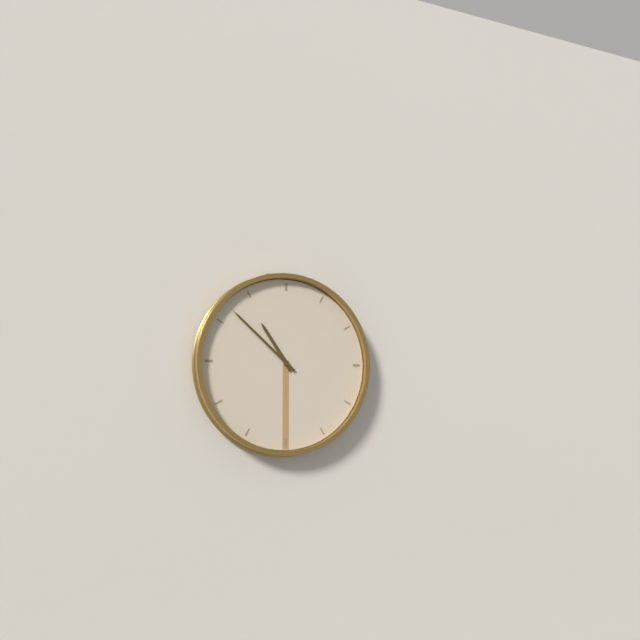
10:52
